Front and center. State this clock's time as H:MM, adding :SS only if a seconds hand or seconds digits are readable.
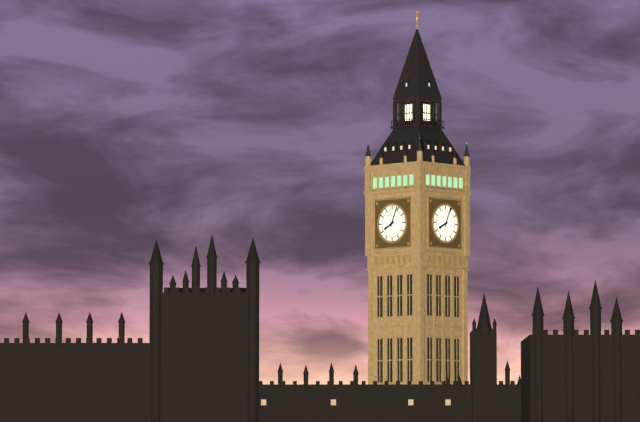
8:04
